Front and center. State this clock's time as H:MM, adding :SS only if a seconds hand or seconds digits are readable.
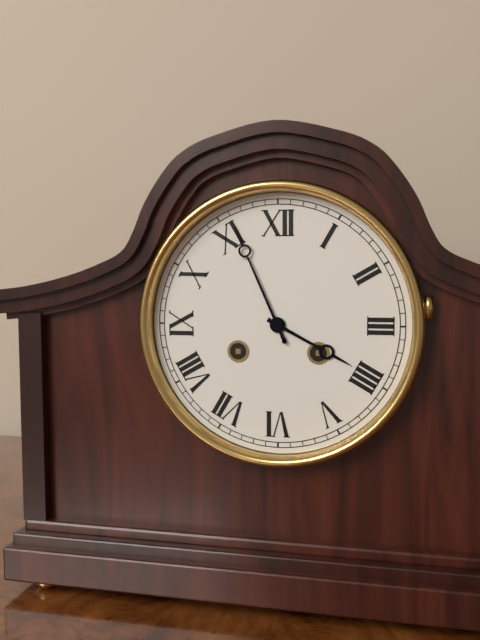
3:56
